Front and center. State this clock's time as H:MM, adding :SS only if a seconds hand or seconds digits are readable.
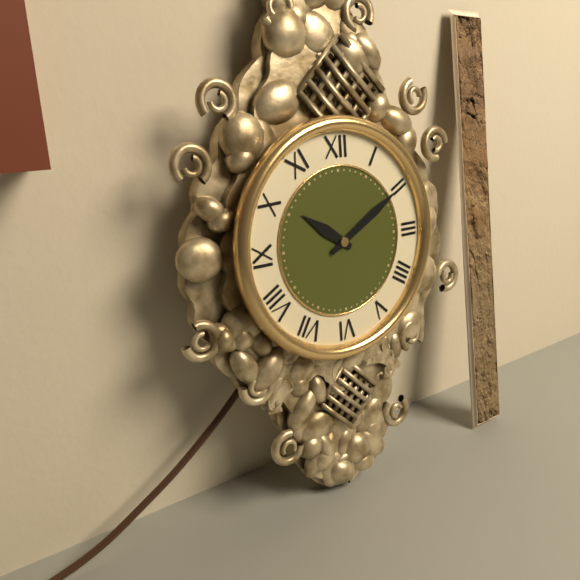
10:10
